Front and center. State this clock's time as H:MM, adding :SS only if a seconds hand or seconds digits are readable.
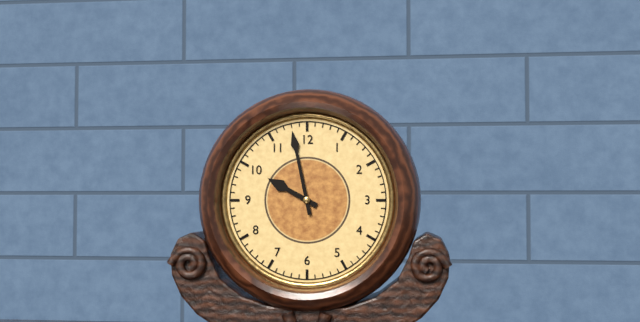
9:58
